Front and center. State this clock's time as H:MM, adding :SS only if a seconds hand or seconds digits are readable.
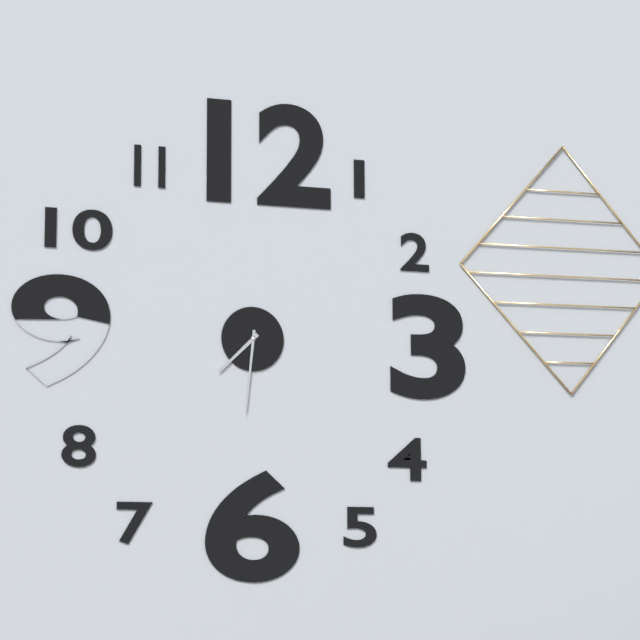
7:31
